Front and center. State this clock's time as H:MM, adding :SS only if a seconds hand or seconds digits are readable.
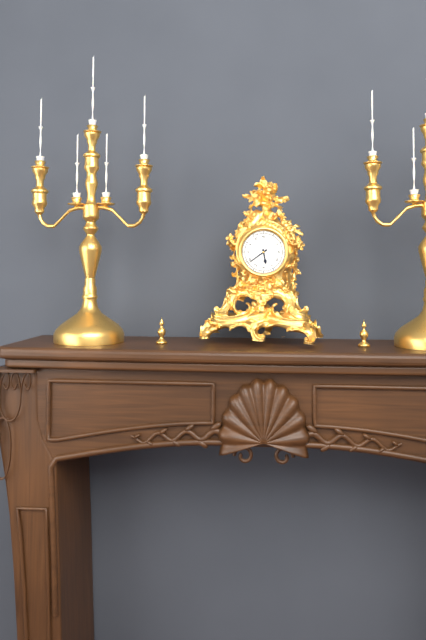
5:39
